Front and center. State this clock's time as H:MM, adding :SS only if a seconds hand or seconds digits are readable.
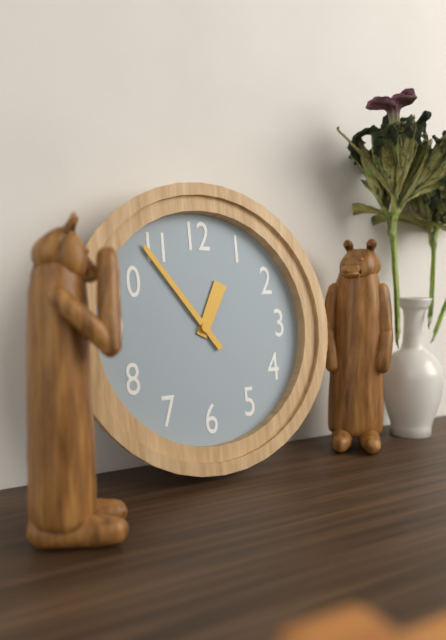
12:54
